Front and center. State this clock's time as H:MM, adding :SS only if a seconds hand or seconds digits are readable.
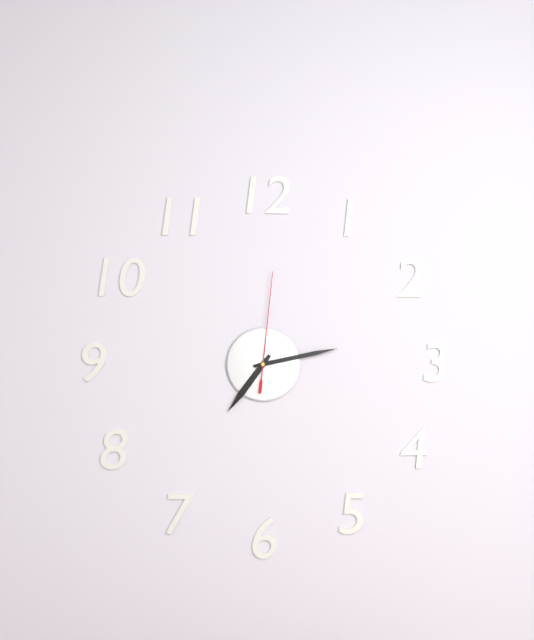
7:13:01
